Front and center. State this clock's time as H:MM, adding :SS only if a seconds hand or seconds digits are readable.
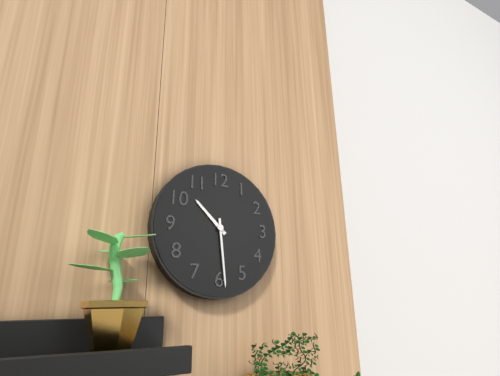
10:29
